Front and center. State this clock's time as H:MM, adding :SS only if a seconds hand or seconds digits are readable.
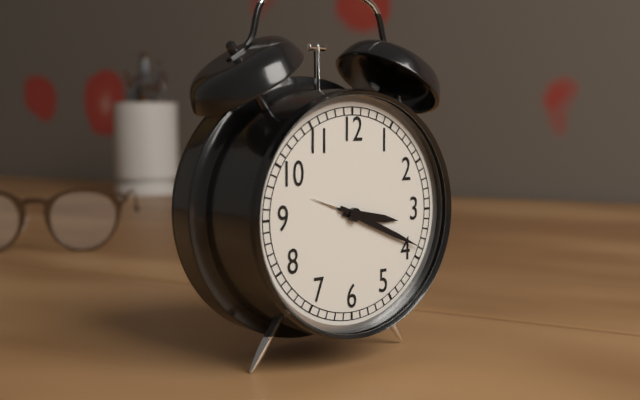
3:19
